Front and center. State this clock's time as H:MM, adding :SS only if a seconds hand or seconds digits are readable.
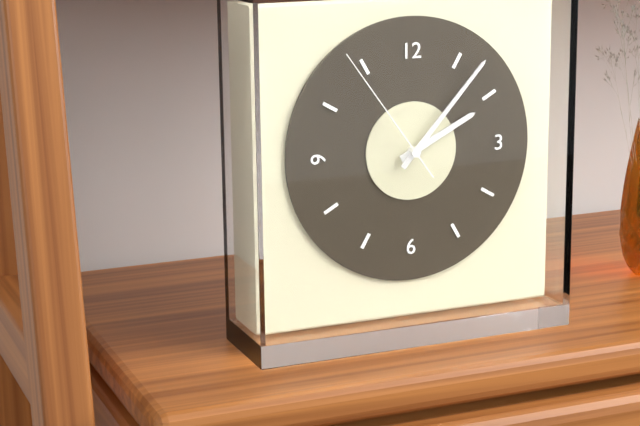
2:07:54
